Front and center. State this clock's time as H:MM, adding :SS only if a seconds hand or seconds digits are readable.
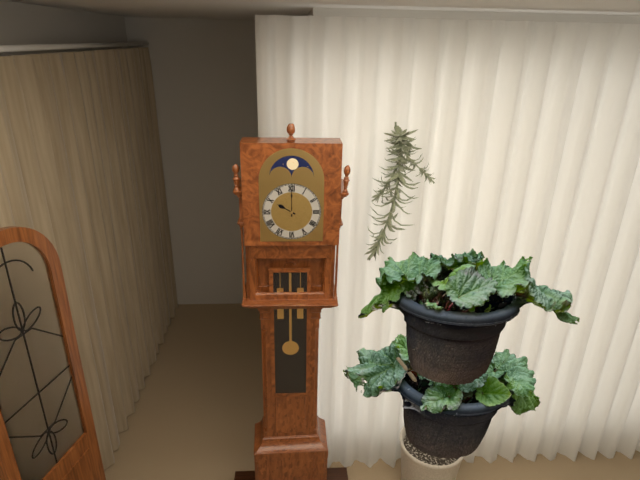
10:00
